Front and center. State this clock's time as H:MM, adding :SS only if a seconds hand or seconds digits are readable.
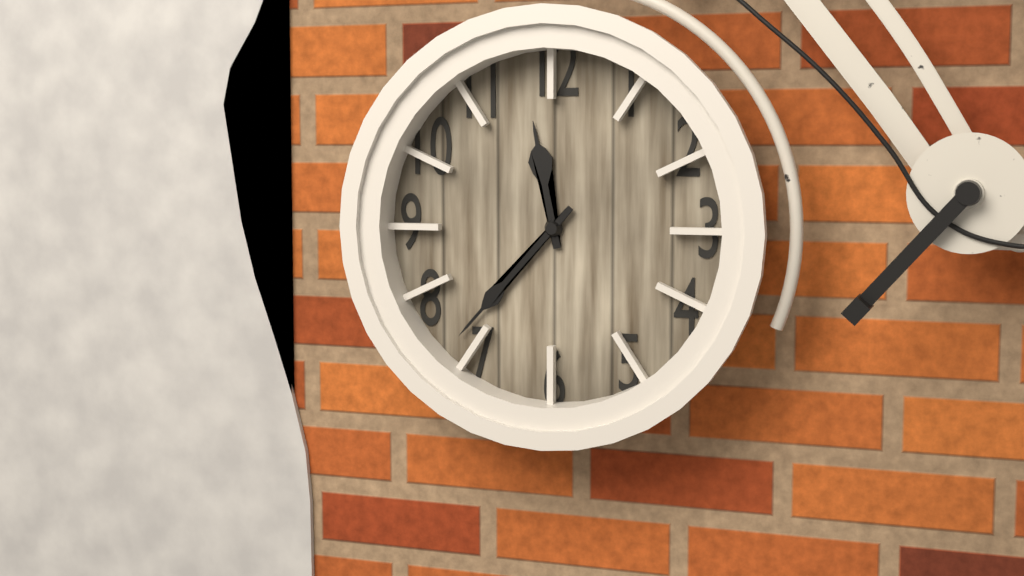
11:37
